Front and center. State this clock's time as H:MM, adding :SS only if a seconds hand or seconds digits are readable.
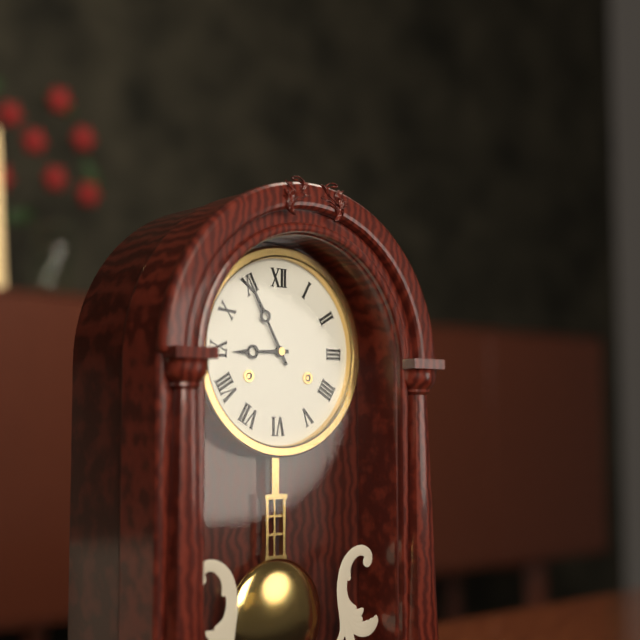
8:55
